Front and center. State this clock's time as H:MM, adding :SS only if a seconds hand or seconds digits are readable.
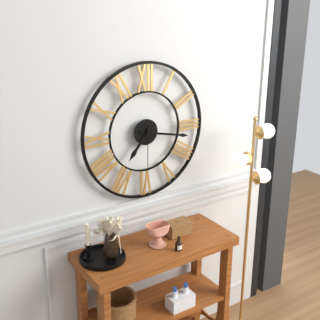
7:17
